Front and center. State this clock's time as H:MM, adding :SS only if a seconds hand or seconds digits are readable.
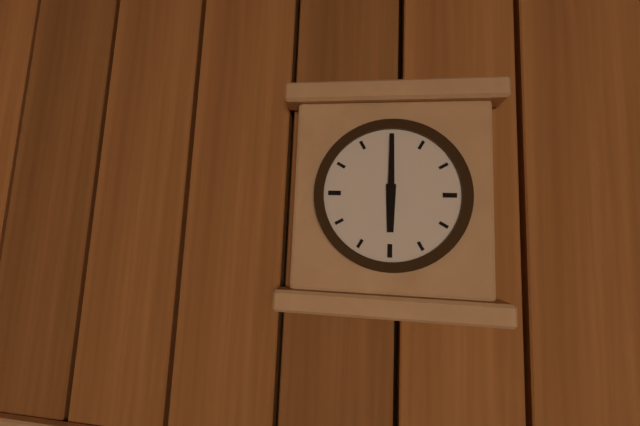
6:00
